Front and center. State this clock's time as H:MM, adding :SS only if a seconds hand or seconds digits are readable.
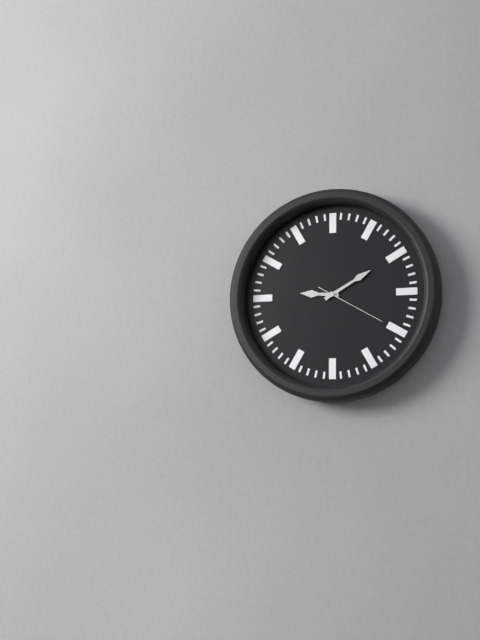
9:10:20
